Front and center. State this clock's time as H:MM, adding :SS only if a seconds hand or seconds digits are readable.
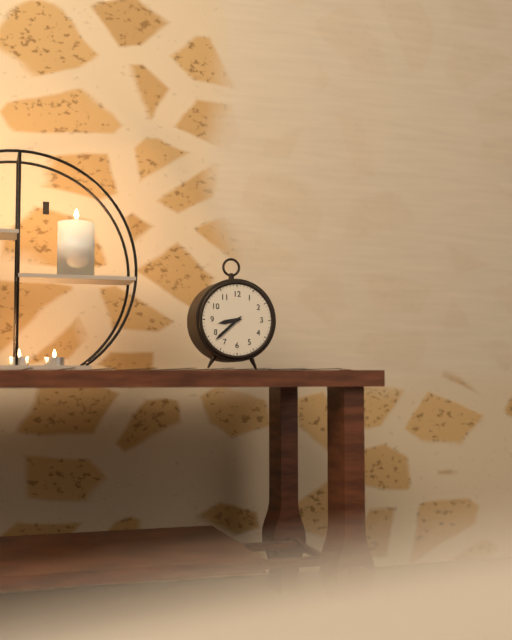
8:38
